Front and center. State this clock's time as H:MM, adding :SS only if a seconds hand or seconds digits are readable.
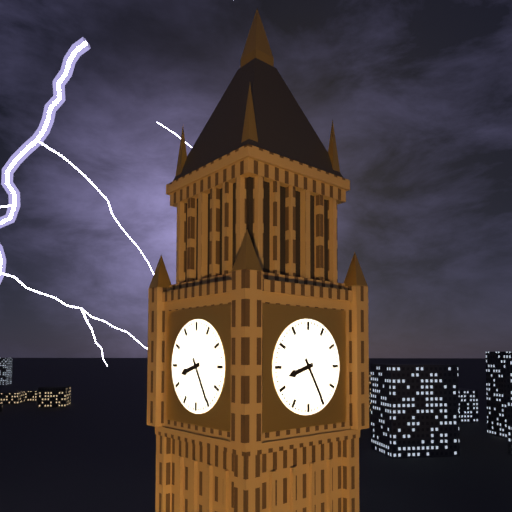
8:25
